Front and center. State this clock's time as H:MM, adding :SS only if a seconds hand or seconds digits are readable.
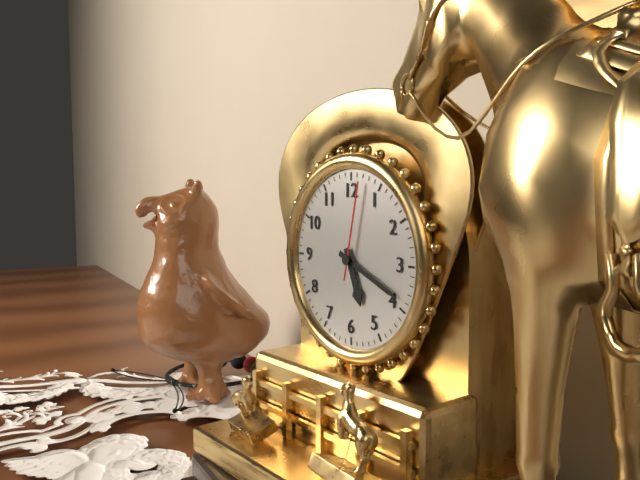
5:19:02
